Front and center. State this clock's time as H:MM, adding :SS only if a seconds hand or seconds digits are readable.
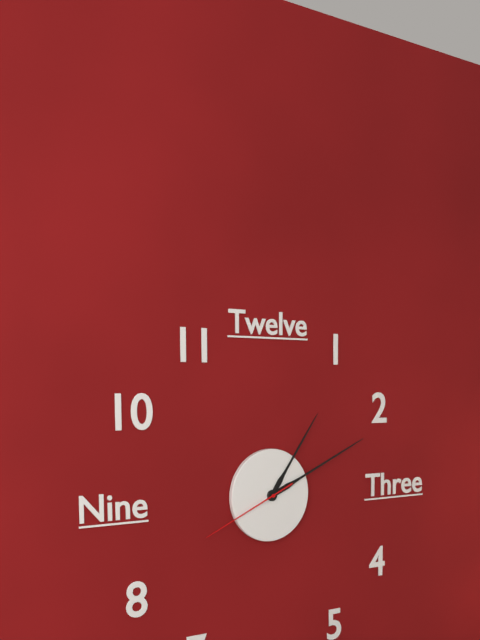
1:11:41
